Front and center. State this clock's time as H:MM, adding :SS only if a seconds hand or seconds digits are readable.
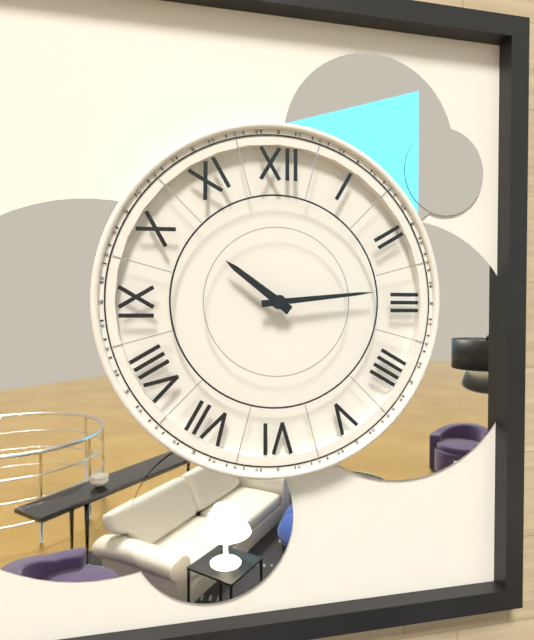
10:14
